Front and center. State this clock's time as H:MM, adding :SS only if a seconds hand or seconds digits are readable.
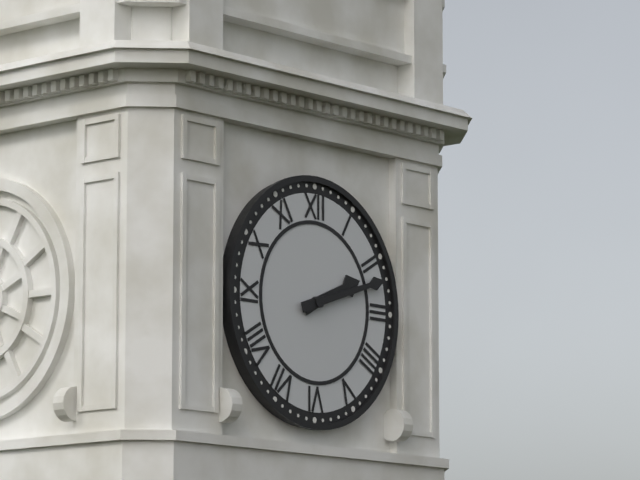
2:12
